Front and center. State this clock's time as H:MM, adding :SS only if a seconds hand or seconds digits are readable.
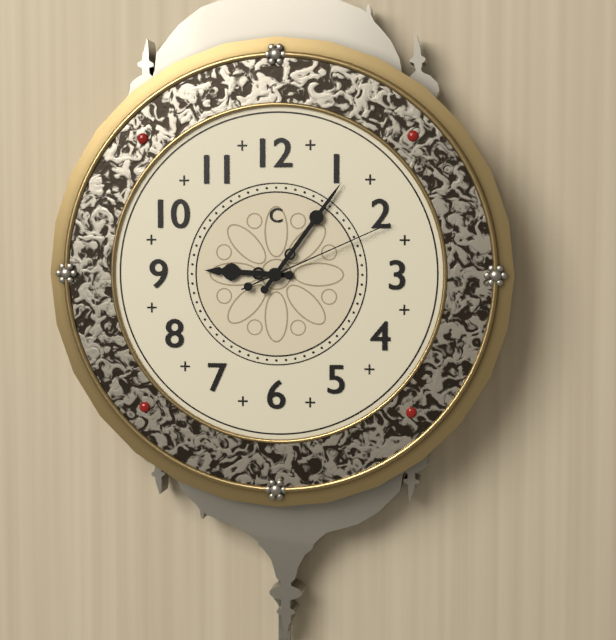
9:06:11
